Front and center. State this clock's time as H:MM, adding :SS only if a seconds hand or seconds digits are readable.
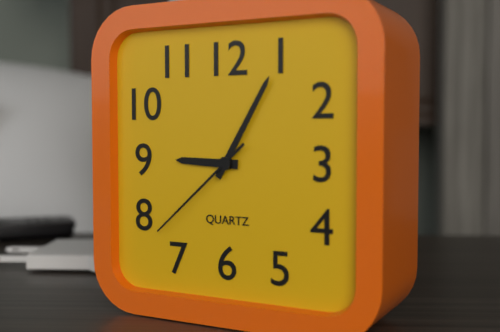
9:05:38
